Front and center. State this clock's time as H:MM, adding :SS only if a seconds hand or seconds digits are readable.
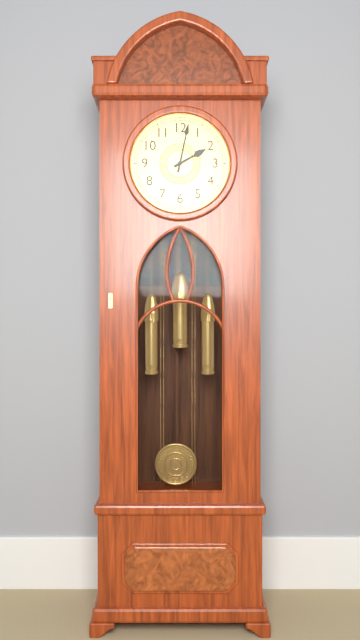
2:02
